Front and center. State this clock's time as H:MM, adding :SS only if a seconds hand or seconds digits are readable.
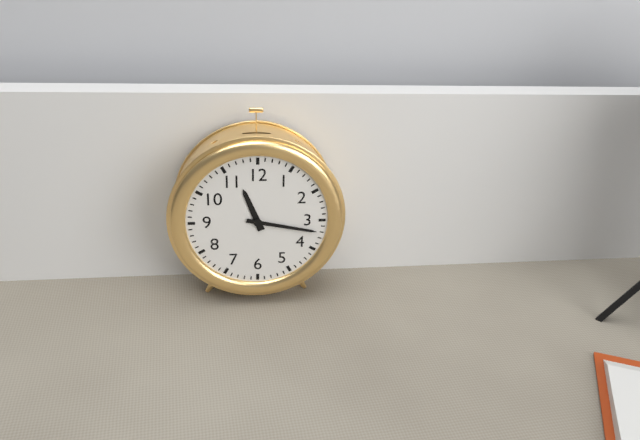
11:17
